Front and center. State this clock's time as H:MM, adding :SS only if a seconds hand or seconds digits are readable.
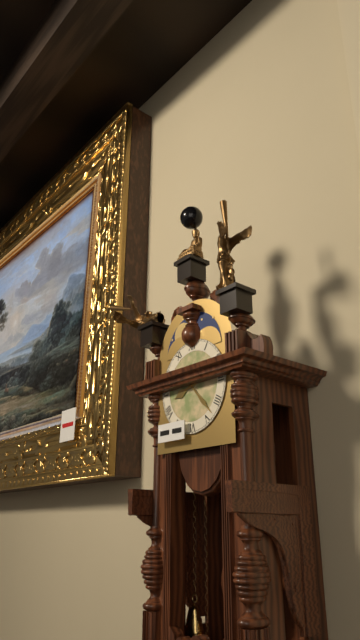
8:23
